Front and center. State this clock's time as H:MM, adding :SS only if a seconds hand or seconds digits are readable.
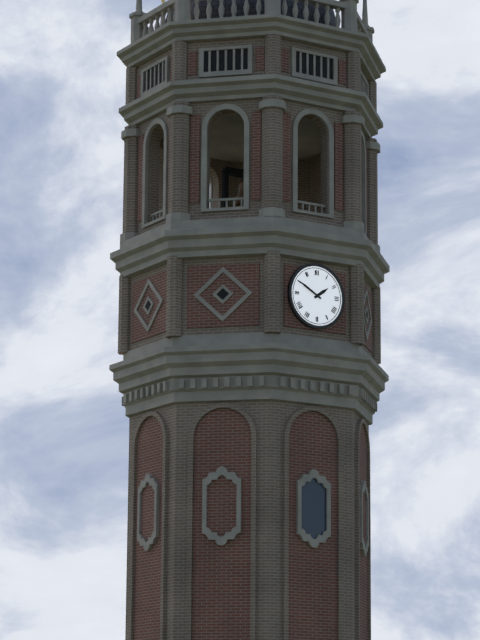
1:50
